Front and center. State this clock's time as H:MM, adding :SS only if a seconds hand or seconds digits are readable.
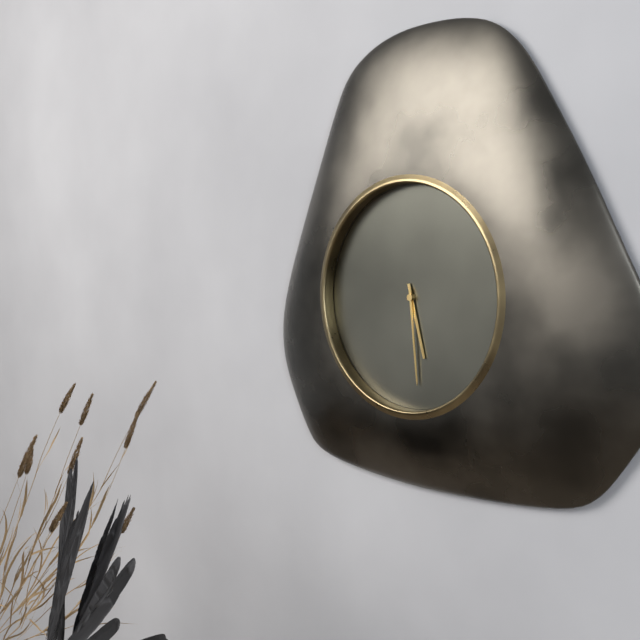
5:29
